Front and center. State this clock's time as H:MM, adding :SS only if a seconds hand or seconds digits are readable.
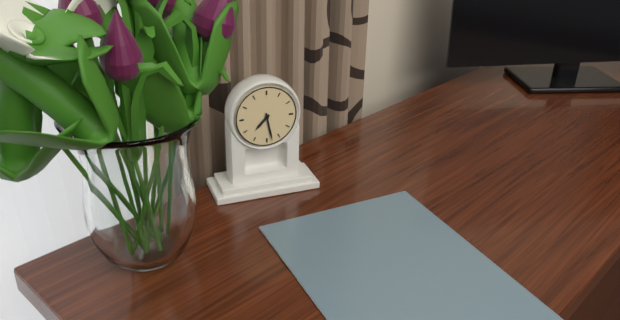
7:28
